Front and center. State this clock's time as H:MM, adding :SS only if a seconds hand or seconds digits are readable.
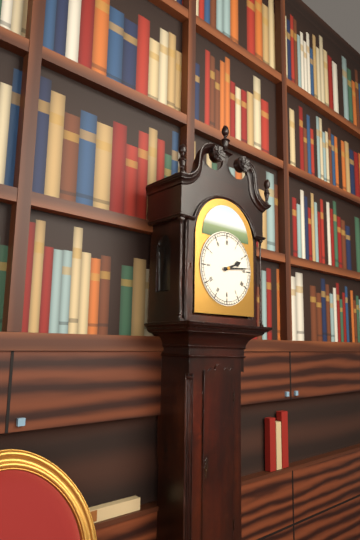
2:14
